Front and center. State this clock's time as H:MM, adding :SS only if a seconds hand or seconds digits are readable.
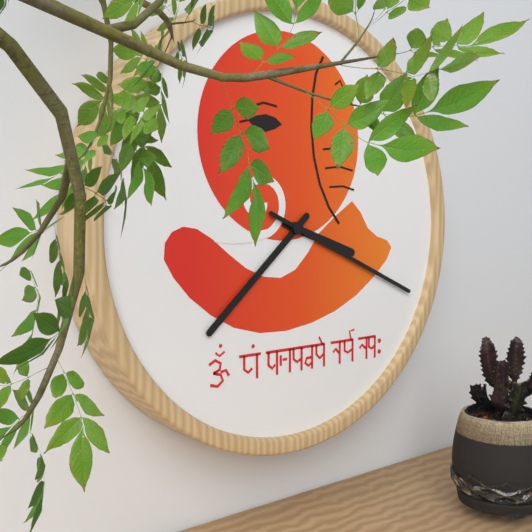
3:38:19
